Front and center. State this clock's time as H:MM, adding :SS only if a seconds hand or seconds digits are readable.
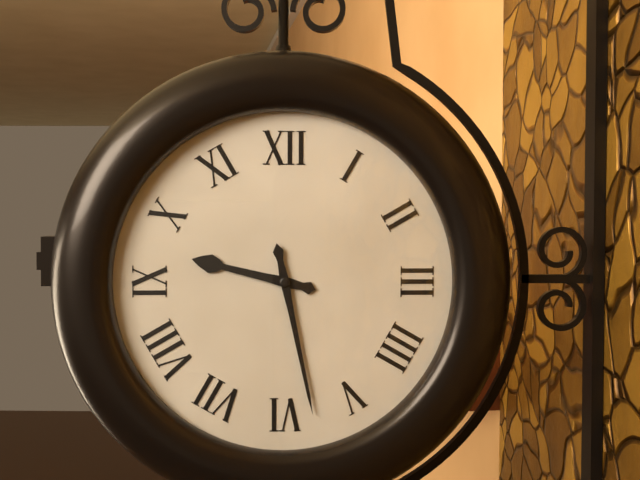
9:28
